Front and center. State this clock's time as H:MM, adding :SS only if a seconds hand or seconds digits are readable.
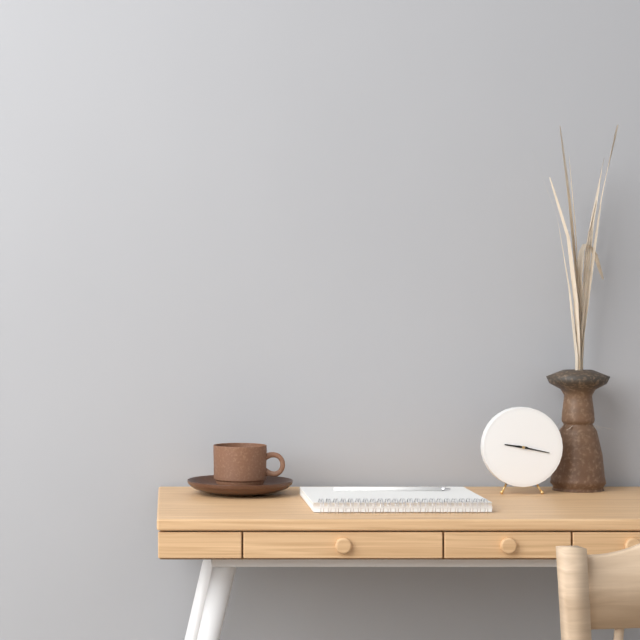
9:17
